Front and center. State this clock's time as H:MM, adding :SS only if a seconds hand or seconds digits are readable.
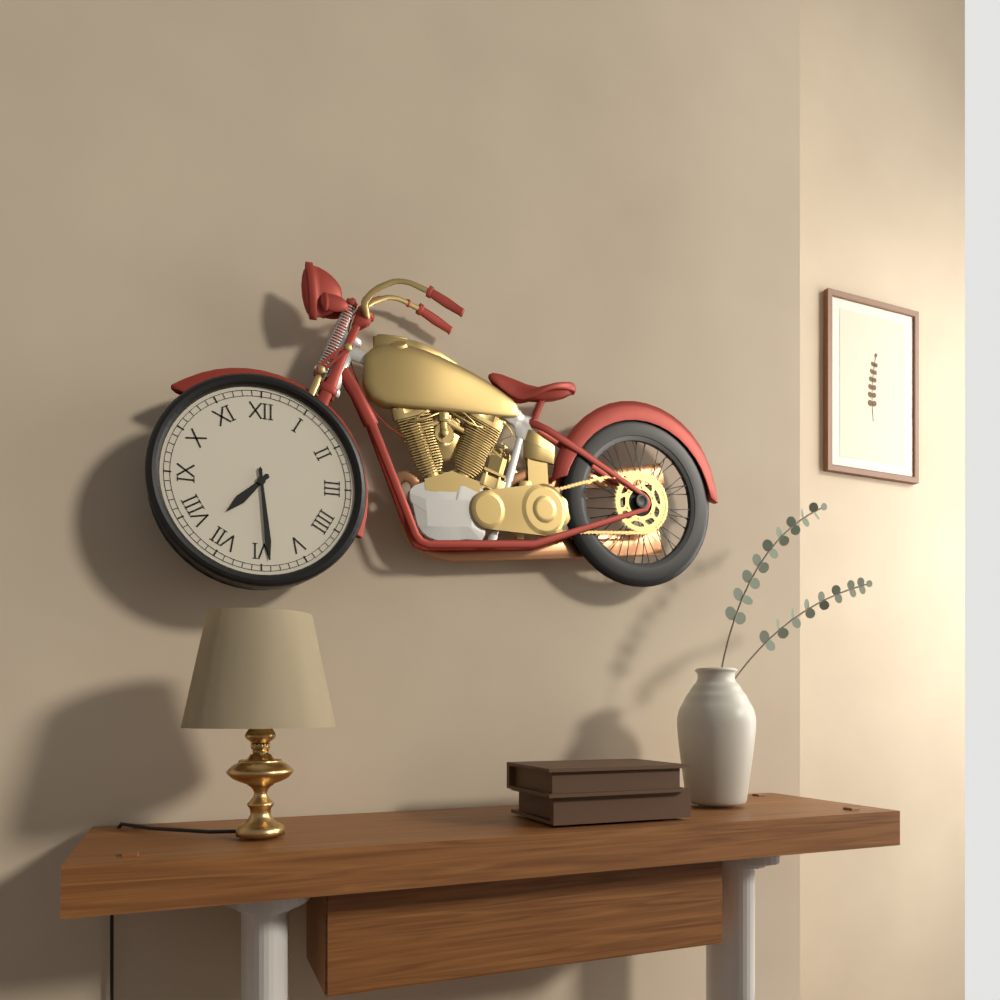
7:29
